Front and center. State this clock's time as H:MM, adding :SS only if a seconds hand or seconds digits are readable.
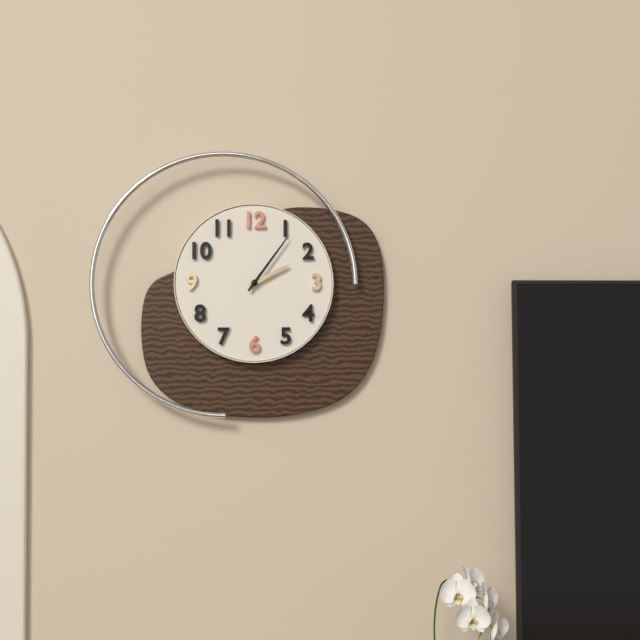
2:06
